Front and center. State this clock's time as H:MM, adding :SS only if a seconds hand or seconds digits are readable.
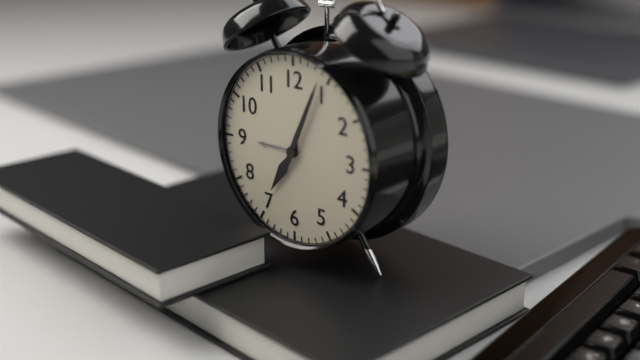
7:04
